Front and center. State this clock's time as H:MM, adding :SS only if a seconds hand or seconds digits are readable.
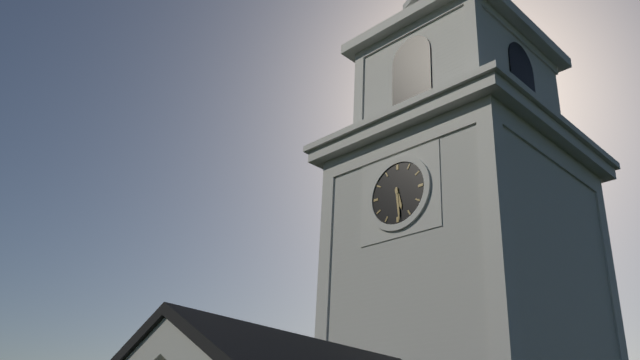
5:29
